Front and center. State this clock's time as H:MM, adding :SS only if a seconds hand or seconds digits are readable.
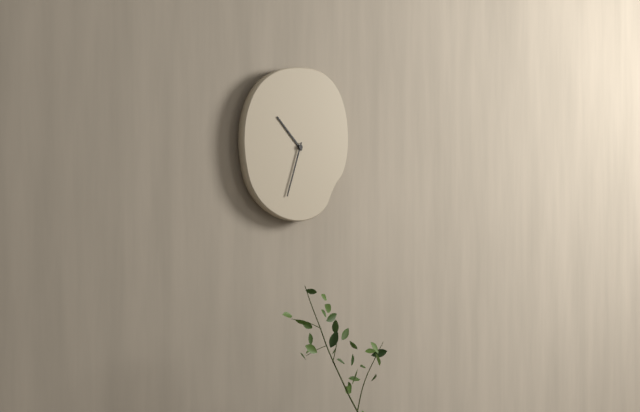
10:33
